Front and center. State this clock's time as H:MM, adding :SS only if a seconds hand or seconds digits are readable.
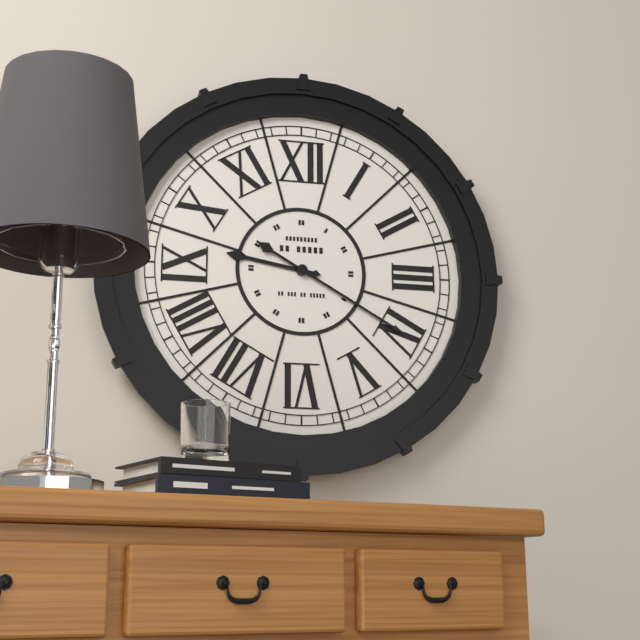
9:20
